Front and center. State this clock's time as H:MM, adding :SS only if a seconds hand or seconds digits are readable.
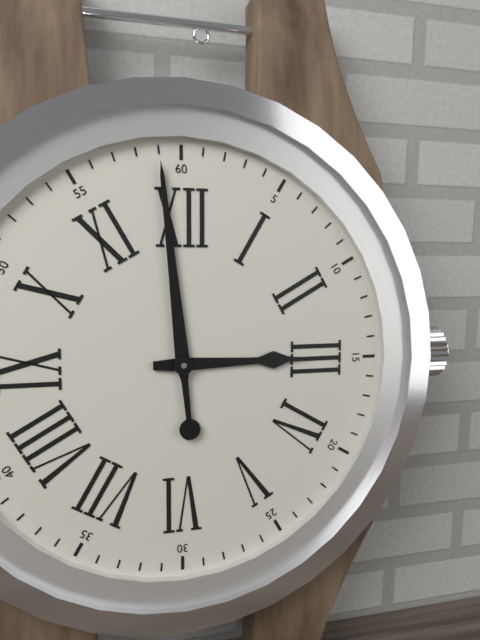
2:59
